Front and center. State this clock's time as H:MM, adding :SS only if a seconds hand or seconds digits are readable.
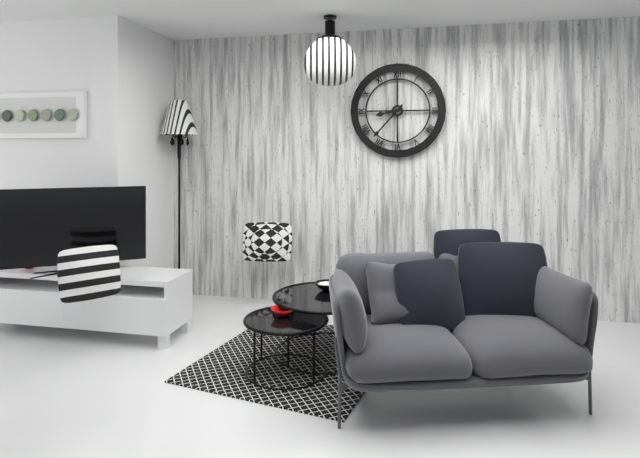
8:37
